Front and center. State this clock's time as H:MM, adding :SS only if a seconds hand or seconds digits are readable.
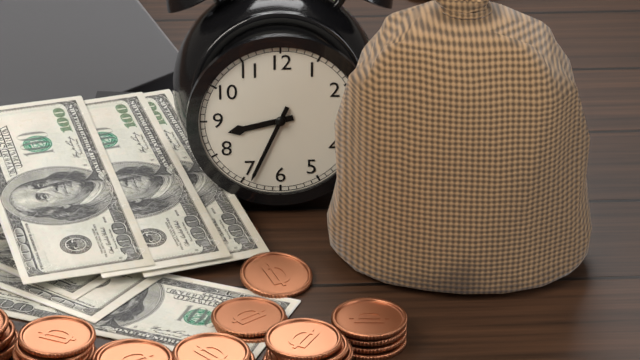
8:34
